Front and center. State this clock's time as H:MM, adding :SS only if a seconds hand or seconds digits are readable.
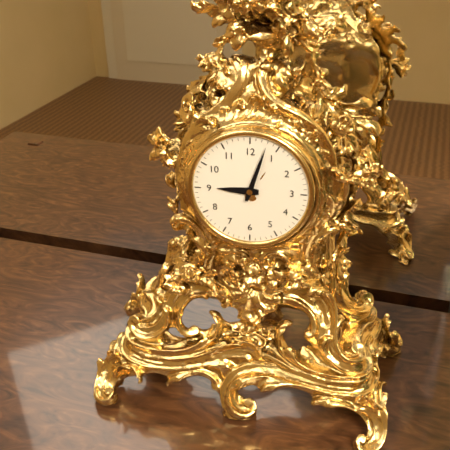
9:03
